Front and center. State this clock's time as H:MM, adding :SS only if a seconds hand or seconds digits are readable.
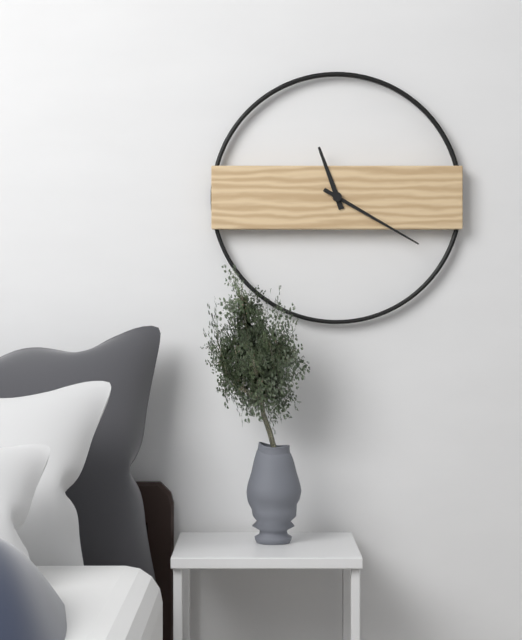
11:20
